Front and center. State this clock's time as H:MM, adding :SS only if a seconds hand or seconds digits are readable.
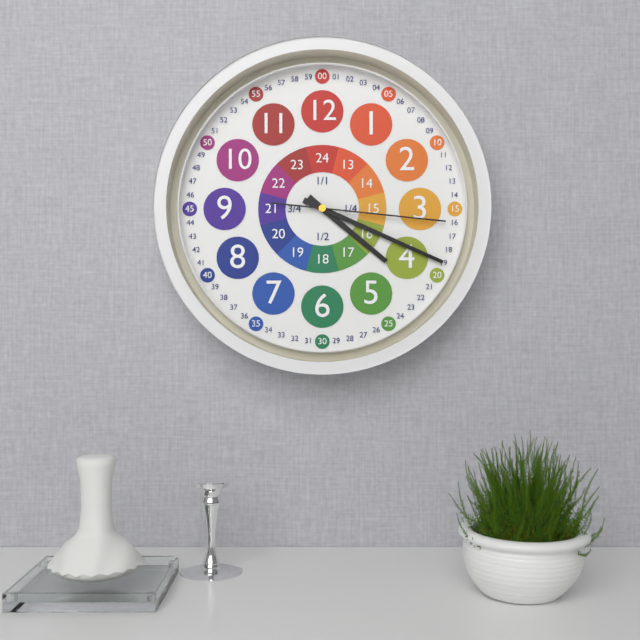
4:19:16
